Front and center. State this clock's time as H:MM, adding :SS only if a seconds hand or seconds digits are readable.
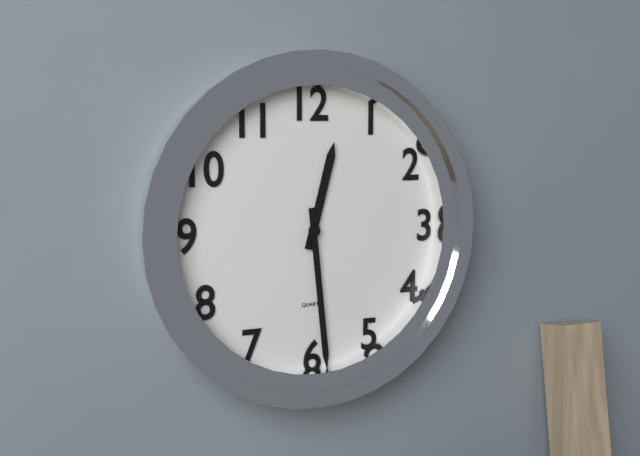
12:29
